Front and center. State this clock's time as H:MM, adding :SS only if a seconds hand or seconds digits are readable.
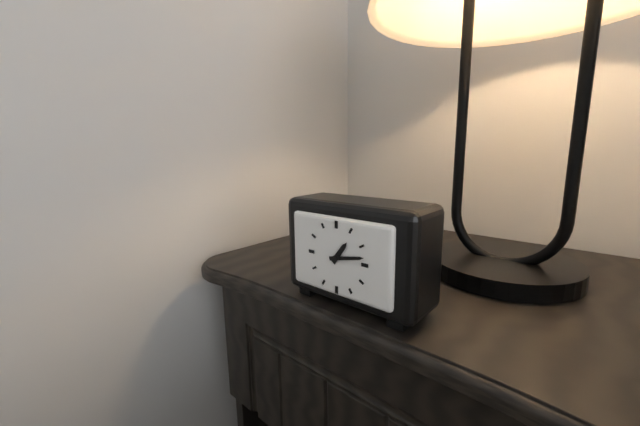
1:13
